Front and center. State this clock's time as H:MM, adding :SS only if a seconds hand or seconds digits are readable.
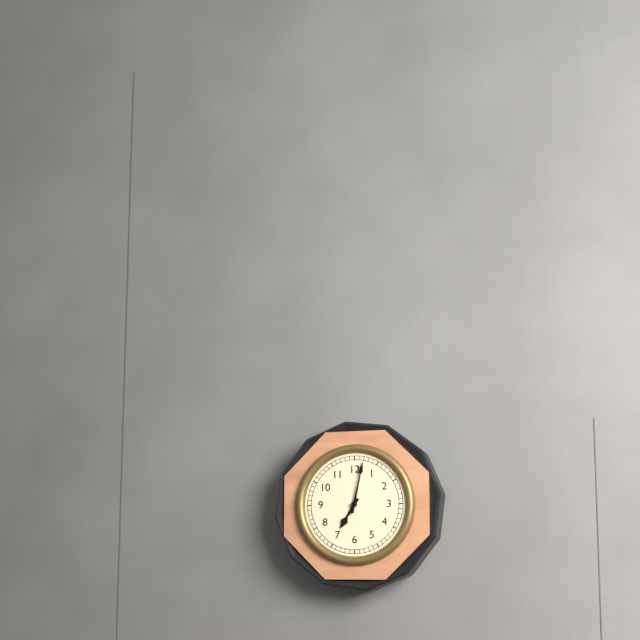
7:02
